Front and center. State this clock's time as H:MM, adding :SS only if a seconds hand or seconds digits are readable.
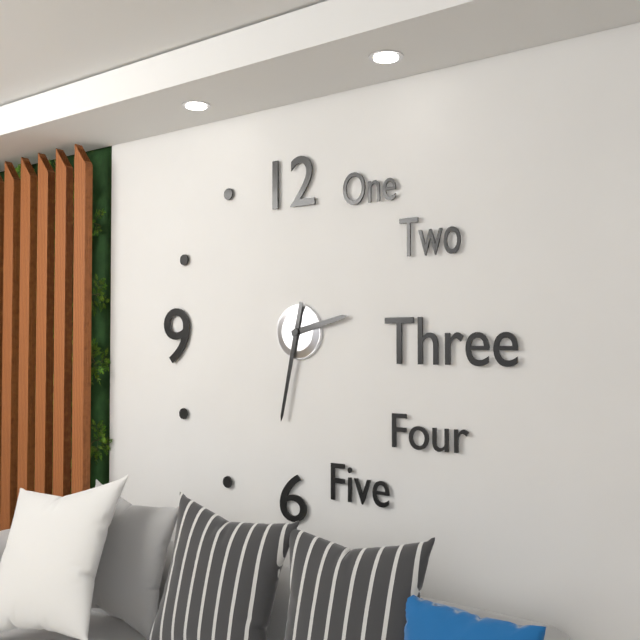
2:32
